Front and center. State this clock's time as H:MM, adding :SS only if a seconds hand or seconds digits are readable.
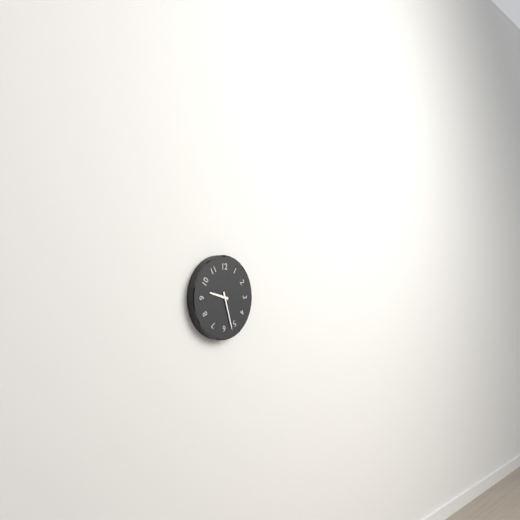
9:27
